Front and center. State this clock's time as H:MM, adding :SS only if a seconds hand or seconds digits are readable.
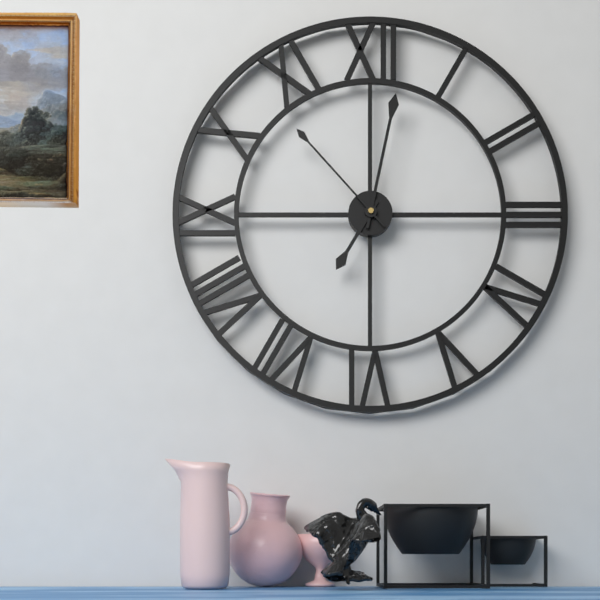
7:02:53
